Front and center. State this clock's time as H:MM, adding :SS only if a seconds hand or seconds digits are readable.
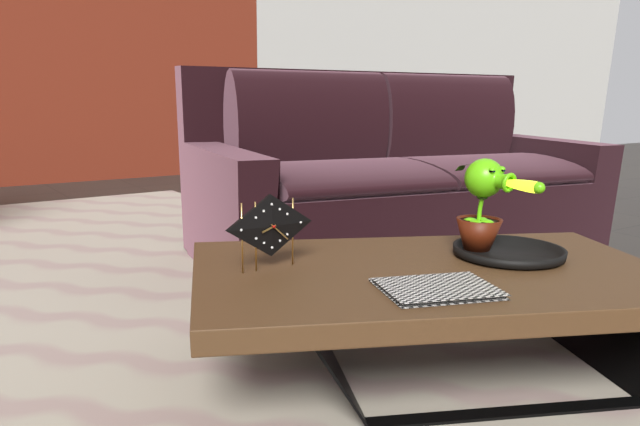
8:22
